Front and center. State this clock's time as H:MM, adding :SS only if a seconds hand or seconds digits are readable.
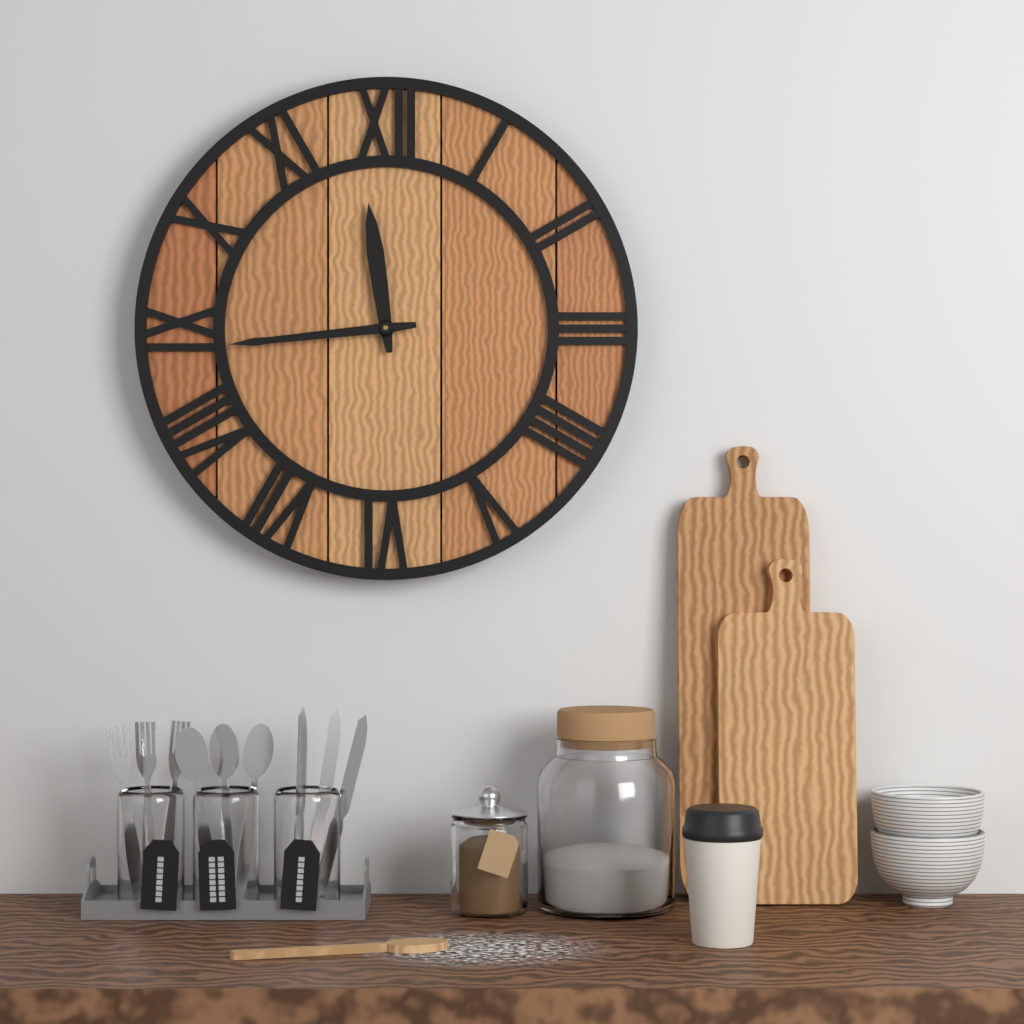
11:44
